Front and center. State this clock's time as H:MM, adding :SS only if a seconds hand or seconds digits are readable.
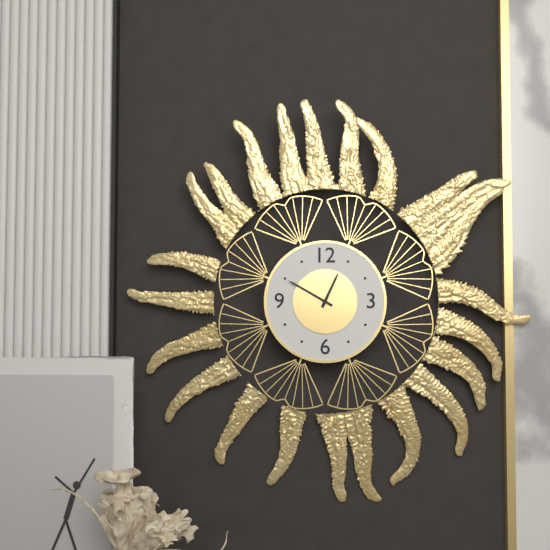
12:50
